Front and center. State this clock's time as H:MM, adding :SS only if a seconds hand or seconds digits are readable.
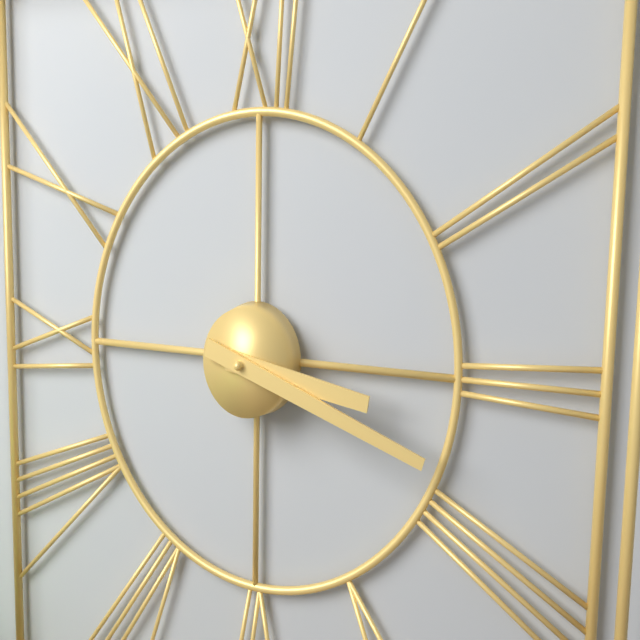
3:18
